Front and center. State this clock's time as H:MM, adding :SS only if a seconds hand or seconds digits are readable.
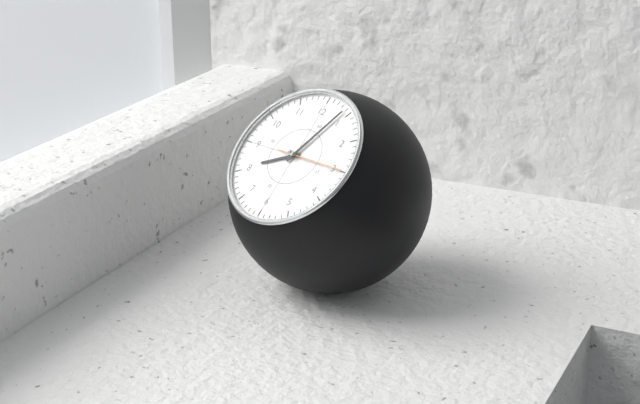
8:04
